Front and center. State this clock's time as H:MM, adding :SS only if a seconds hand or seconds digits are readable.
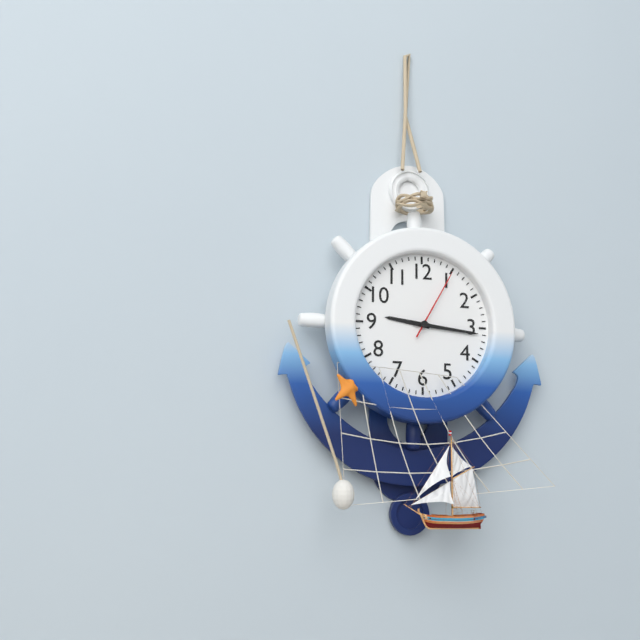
9:16:05
